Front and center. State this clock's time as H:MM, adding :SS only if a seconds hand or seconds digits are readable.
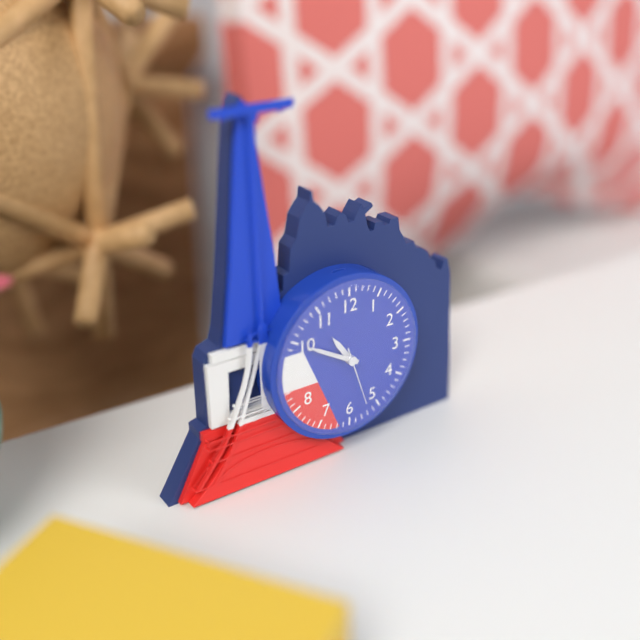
10:50:27
